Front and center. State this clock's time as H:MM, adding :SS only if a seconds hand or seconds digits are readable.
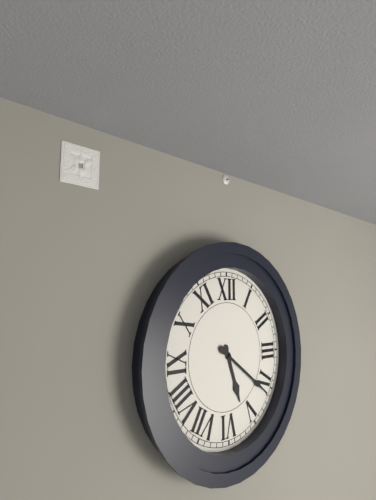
5:21
